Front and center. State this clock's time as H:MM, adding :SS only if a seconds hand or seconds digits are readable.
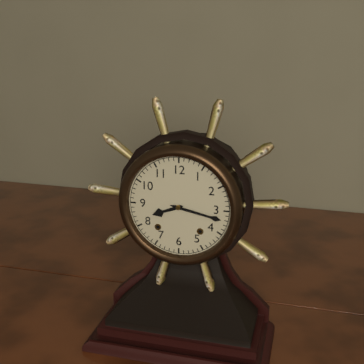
8:17
